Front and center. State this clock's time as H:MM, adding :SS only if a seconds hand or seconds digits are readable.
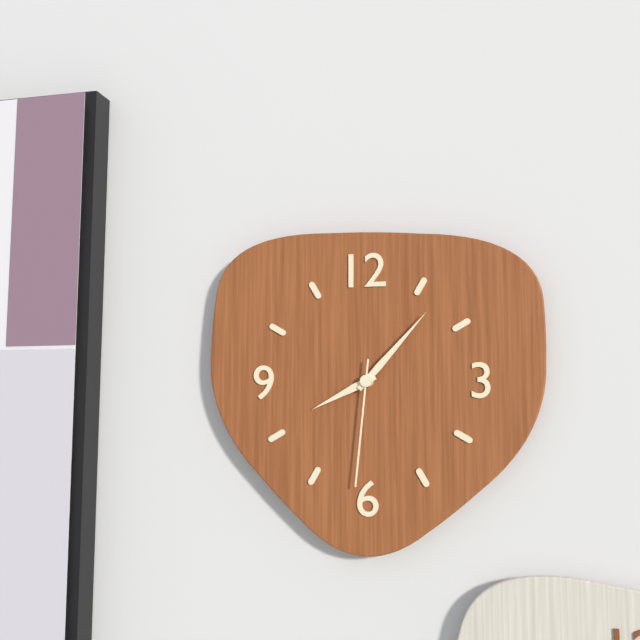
8:07:31
